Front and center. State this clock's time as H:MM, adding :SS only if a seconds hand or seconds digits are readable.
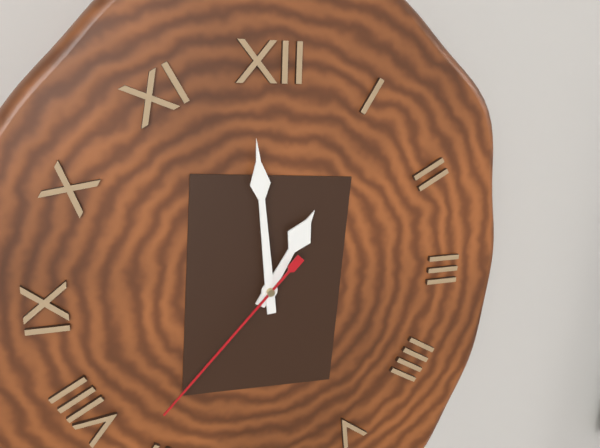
12:59:37
